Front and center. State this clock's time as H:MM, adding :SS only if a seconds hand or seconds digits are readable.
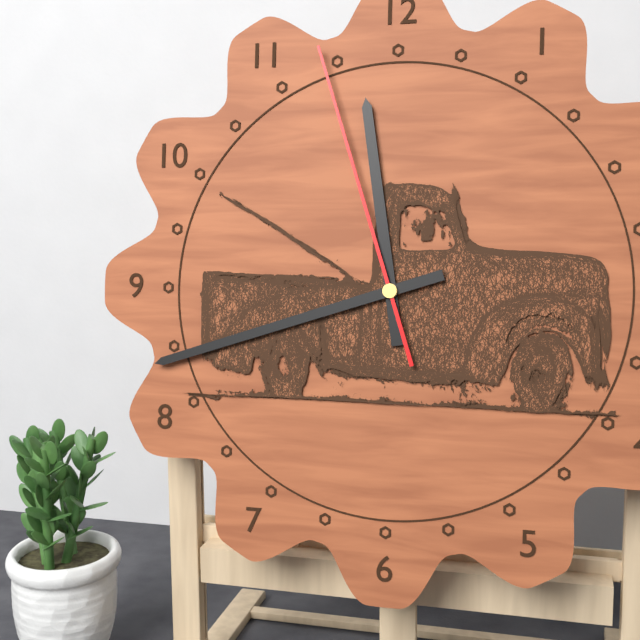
11:42:57
